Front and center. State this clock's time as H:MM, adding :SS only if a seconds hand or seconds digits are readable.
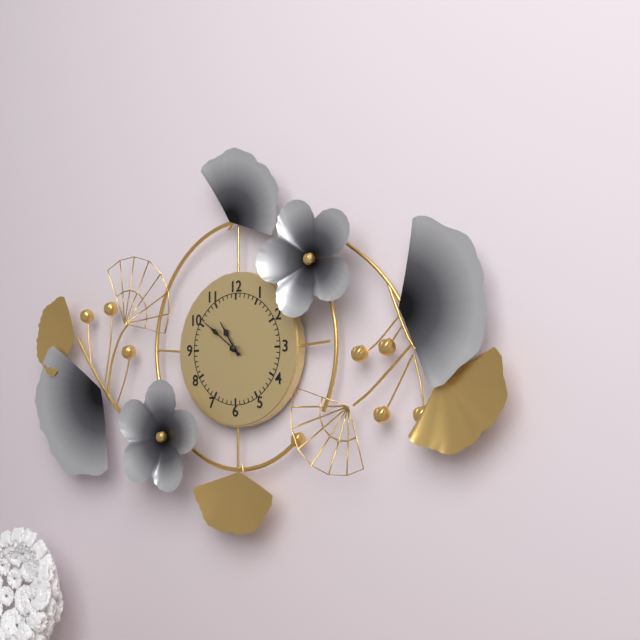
10:51
